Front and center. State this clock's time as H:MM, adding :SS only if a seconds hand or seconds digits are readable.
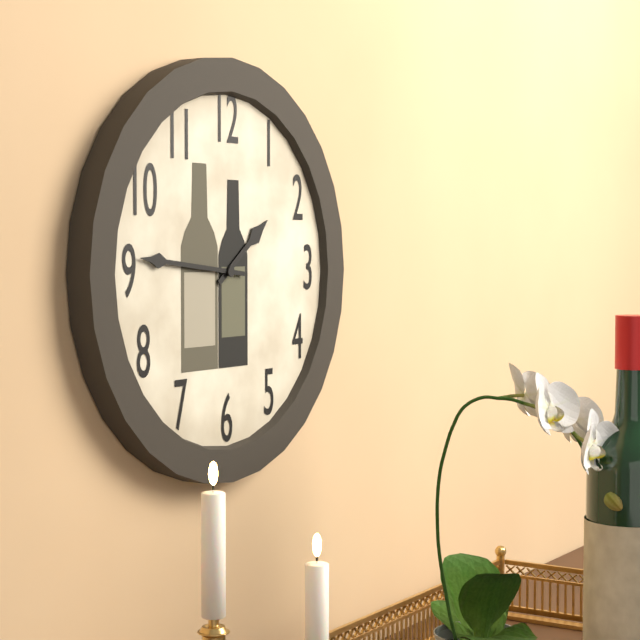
1:46
